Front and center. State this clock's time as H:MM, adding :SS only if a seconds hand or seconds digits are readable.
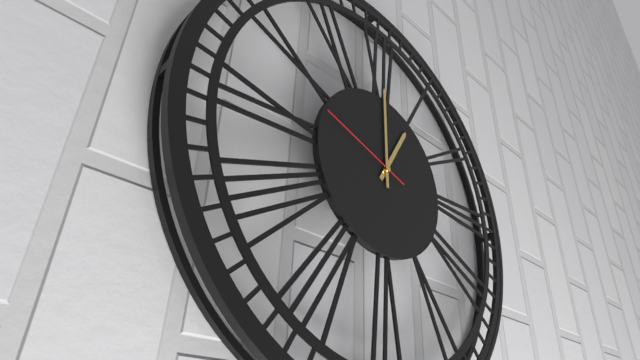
1:00:48
